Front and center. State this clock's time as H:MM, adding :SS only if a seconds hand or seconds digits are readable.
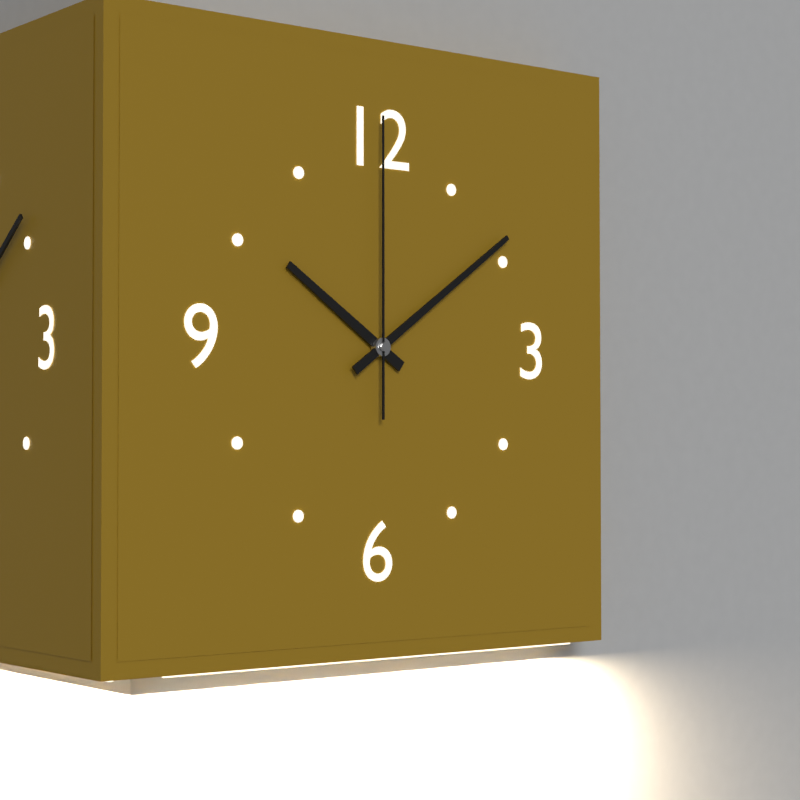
10:09:00
